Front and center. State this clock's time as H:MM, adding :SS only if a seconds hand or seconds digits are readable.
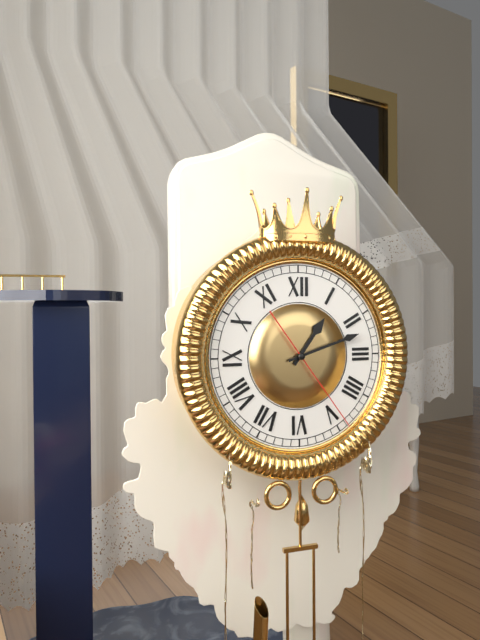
1:12:24
